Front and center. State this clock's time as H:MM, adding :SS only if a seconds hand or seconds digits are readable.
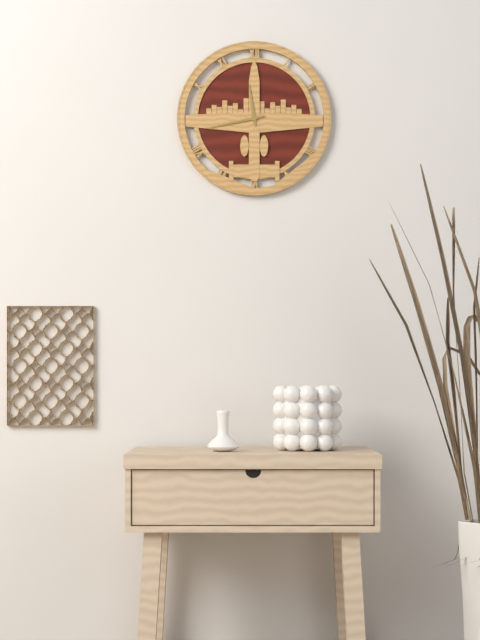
11:43
